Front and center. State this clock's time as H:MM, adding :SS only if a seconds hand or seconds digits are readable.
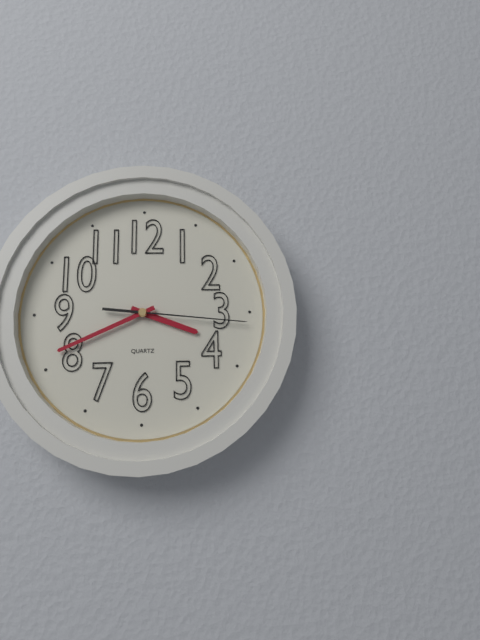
3:41:16
